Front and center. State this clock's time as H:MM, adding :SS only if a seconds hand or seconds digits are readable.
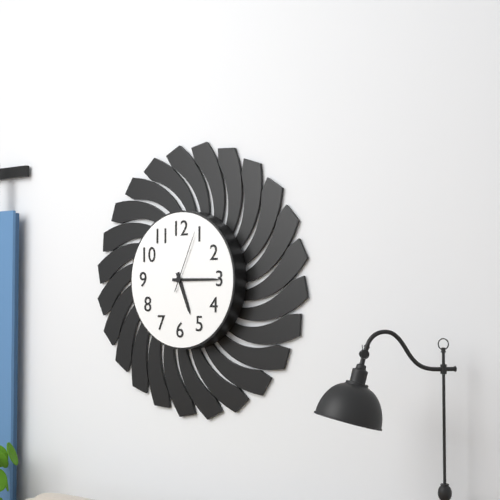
5:15:04
